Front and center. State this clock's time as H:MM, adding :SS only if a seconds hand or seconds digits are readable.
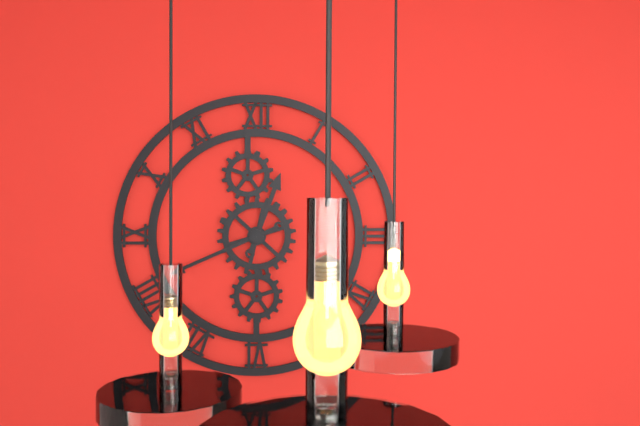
12:41
